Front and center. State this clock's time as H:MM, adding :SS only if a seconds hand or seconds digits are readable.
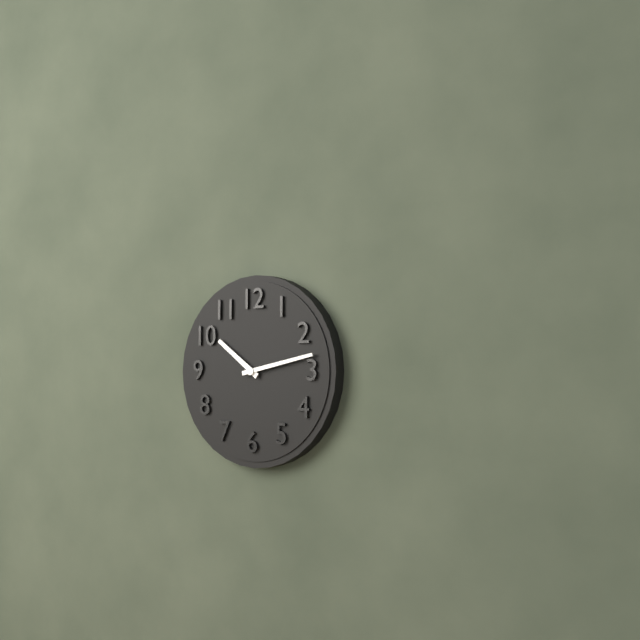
10:13
